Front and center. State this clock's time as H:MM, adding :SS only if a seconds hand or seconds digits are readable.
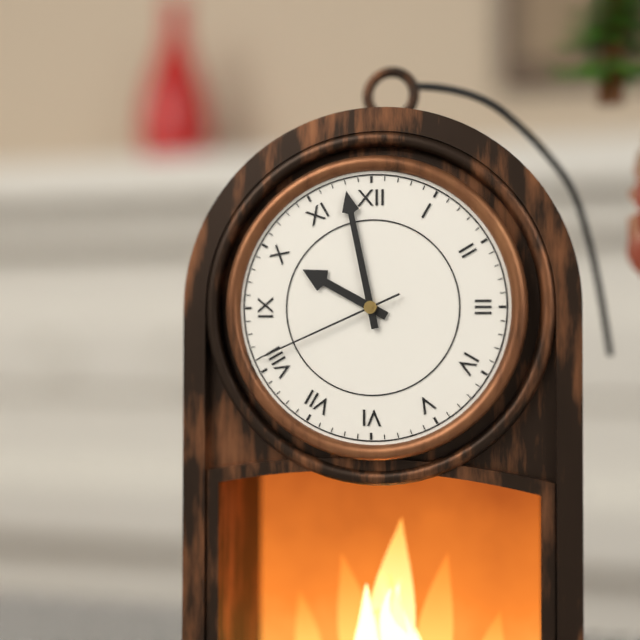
9:58:41
